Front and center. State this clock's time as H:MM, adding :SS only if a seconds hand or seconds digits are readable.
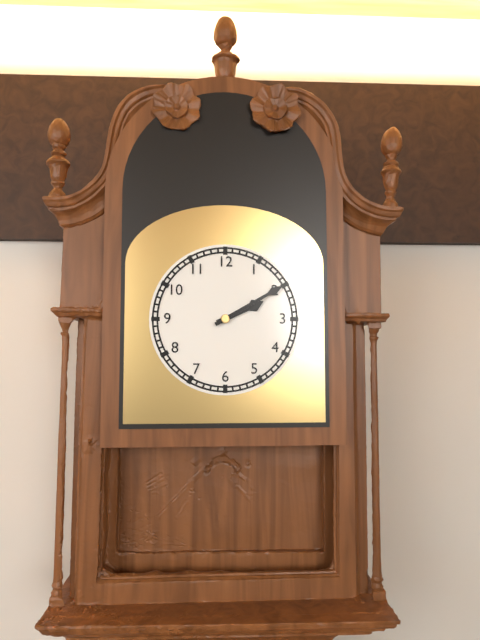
2:10
